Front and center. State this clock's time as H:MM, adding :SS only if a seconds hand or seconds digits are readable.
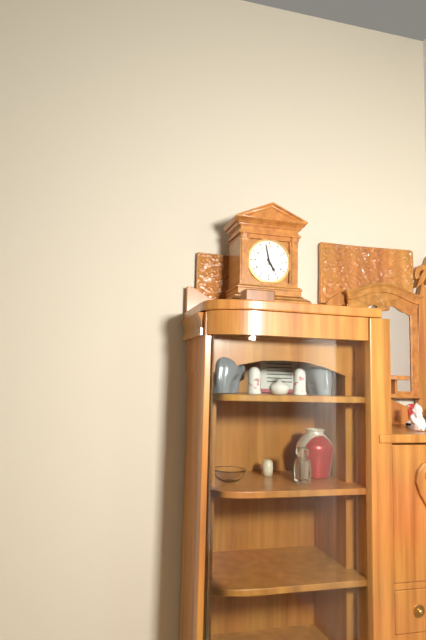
4:58
